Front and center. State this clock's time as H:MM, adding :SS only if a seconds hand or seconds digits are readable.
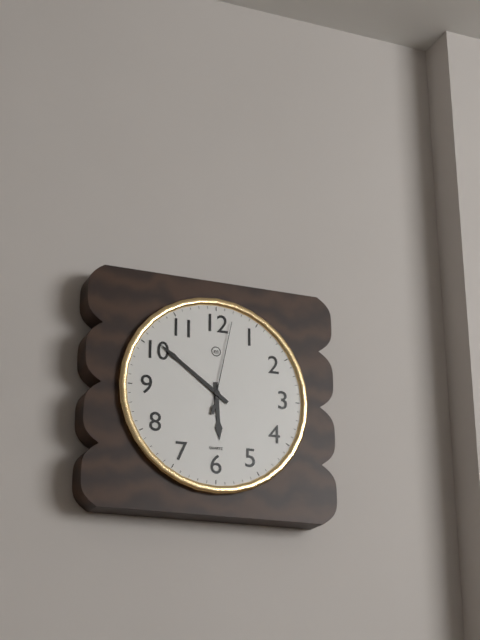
5:51:02
